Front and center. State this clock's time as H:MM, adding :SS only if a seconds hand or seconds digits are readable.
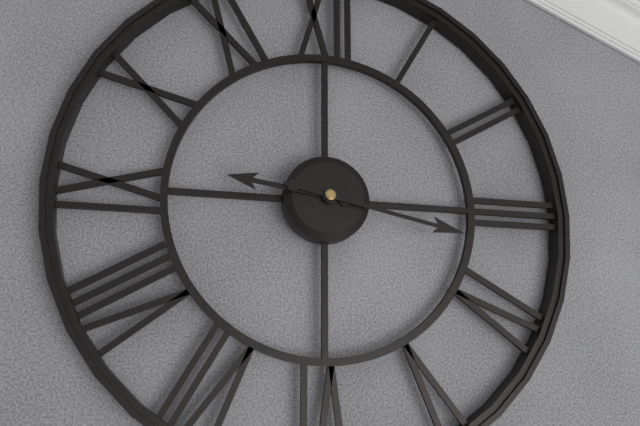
9:17
